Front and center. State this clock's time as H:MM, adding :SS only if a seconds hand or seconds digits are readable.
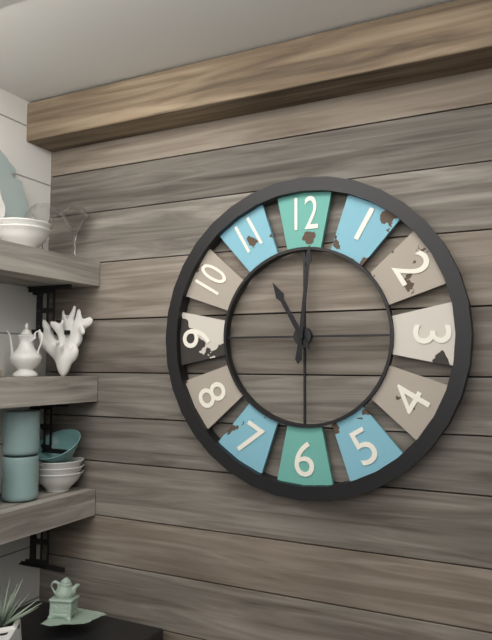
11:01
